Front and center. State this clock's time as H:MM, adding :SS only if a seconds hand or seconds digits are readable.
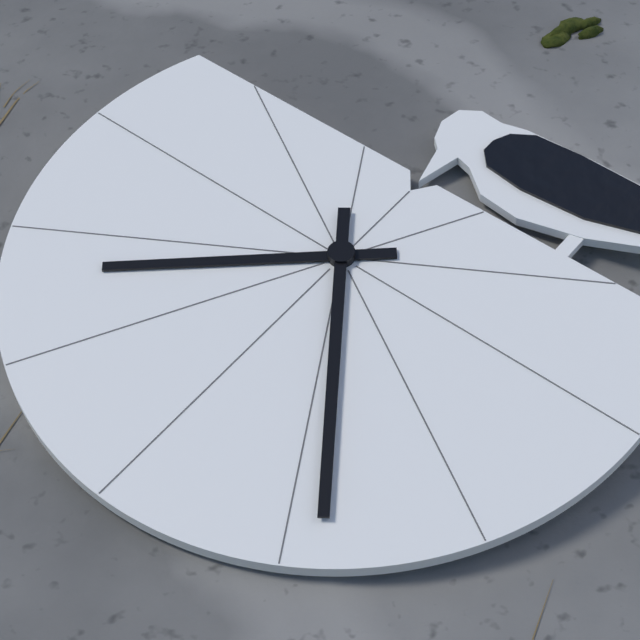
10:39
